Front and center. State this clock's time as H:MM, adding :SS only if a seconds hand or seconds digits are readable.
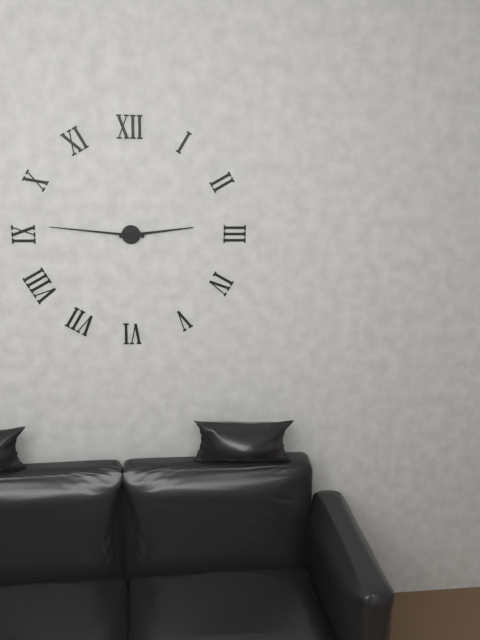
2:46
